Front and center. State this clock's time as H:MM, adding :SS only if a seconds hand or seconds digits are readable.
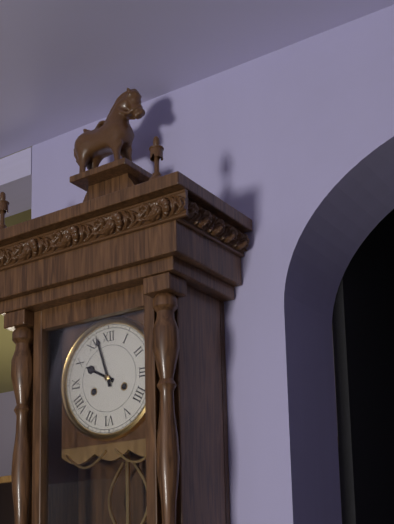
9:57
